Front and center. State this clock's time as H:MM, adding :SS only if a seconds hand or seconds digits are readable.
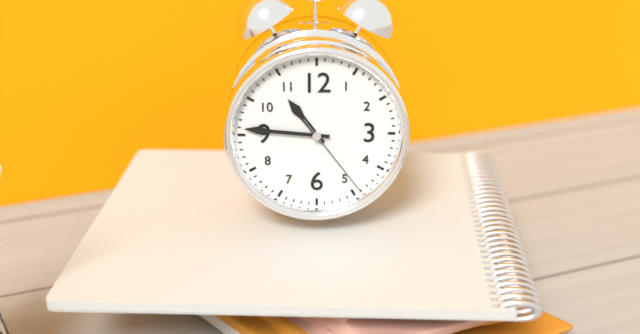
10:46:24
